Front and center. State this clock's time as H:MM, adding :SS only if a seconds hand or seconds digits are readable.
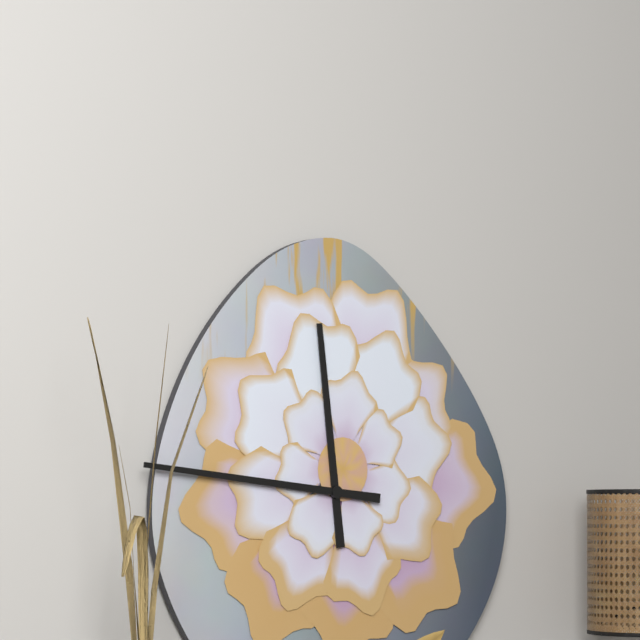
11:46
